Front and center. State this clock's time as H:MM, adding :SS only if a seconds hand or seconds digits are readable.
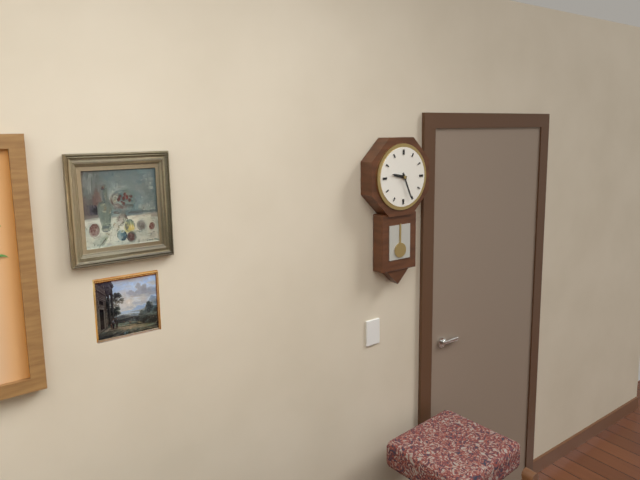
9:26
